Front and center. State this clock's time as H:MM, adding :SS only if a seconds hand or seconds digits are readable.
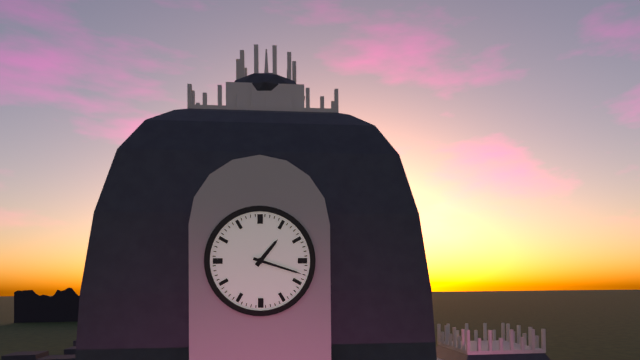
1:18
